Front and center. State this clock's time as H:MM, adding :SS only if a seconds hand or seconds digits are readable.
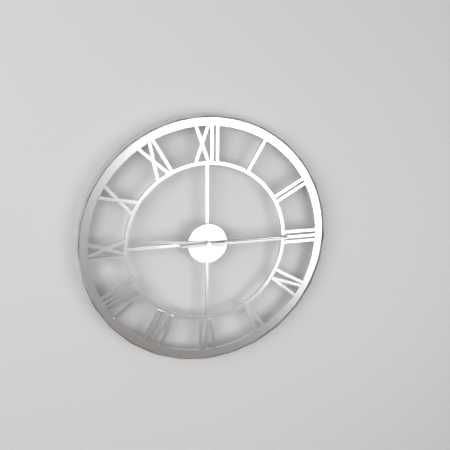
9:15
